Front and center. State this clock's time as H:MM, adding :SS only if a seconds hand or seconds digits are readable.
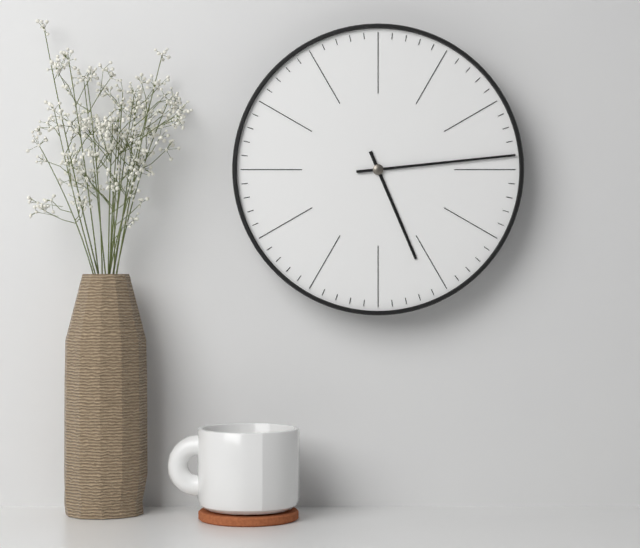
5:14
